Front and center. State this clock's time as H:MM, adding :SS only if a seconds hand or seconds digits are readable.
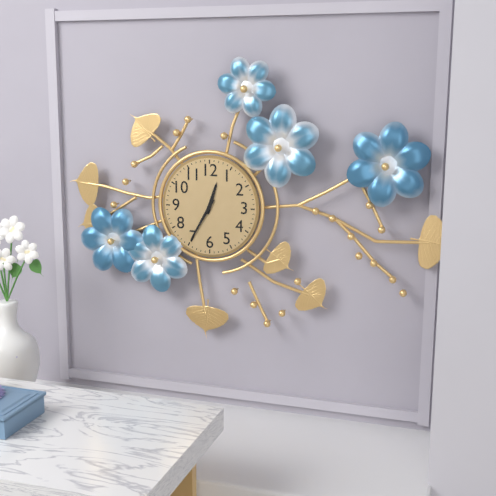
12:35
